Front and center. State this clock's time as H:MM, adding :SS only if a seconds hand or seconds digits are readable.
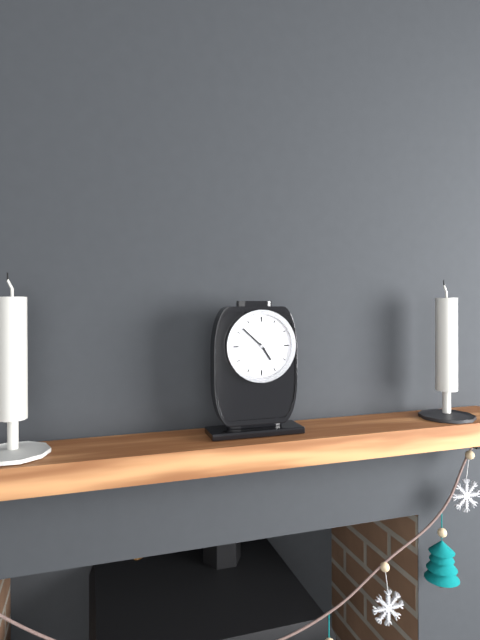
4:52
